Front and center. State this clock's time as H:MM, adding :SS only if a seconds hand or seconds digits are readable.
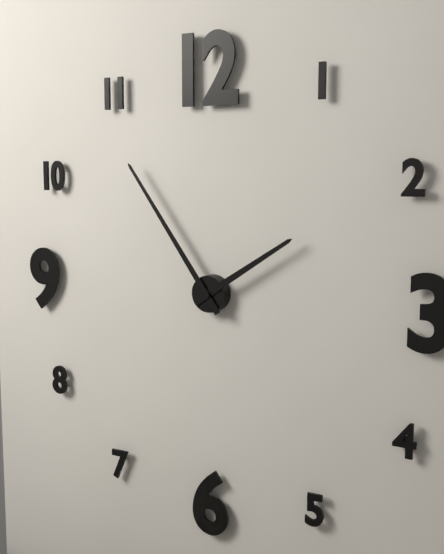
1:54
